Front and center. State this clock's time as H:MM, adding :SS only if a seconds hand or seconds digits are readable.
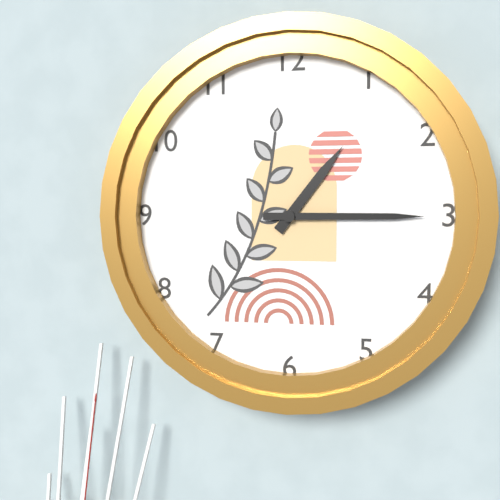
1:15
